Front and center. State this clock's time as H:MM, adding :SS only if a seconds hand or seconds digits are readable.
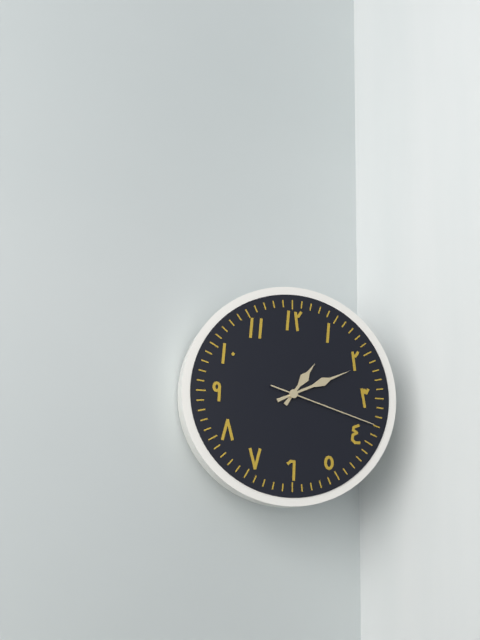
1:11:18
